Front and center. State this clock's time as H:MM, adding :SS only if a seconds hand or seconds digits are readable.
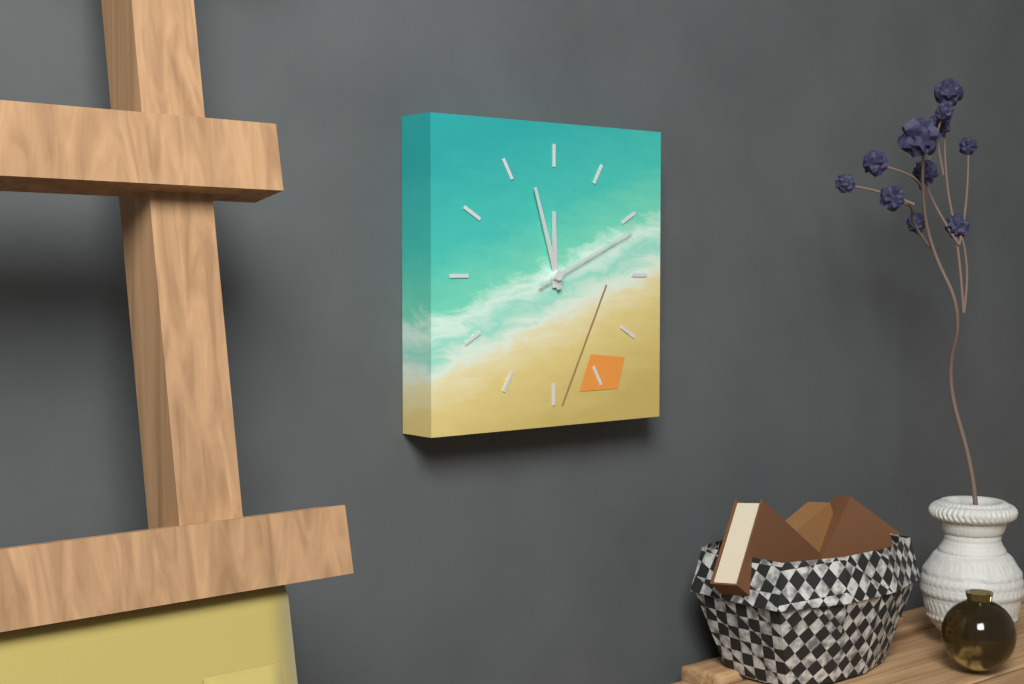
11:57:11
